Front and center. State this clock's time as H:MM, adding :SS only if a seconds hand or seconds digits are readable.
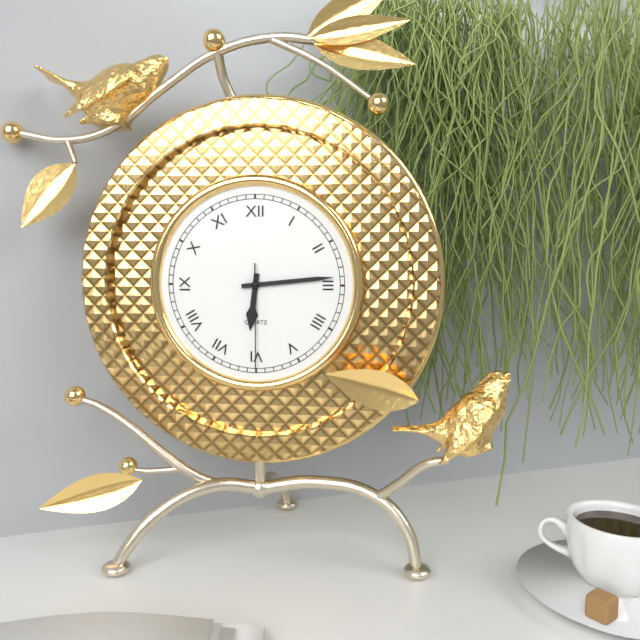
6:14:30
